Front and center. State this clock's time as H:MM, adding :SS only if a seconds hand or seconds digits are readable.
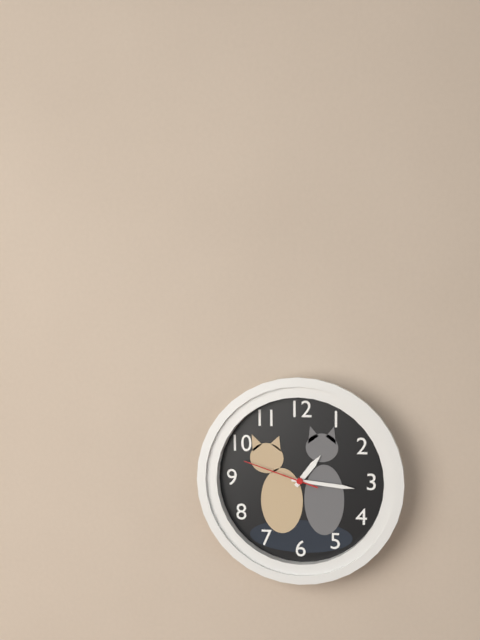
1:16:48
